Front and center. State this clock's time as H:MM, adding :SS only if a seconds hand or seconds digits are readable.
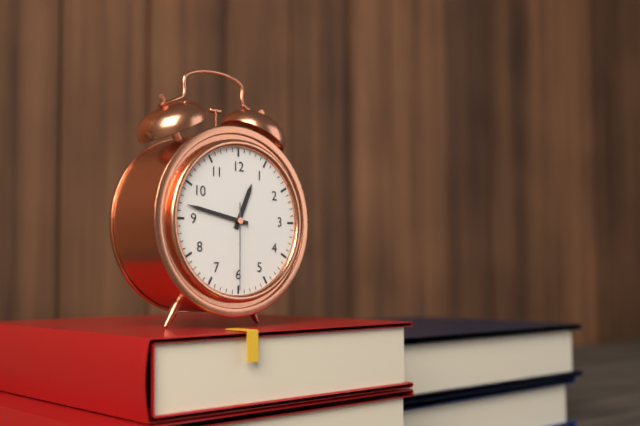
12:47:30
